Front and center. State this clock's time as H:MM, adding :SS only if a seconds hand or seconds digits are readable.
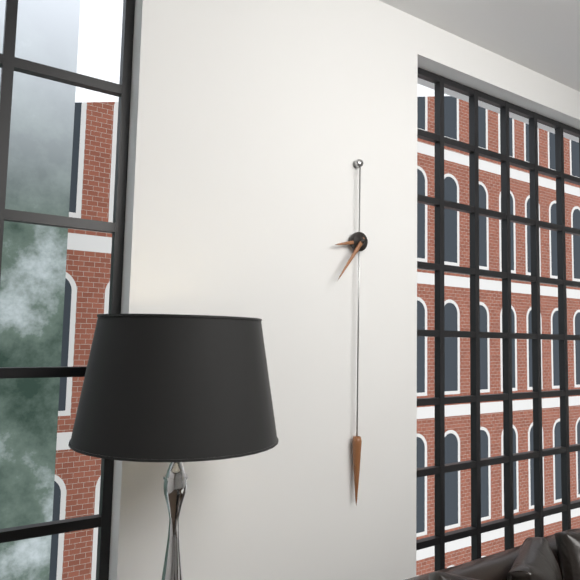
8:36
